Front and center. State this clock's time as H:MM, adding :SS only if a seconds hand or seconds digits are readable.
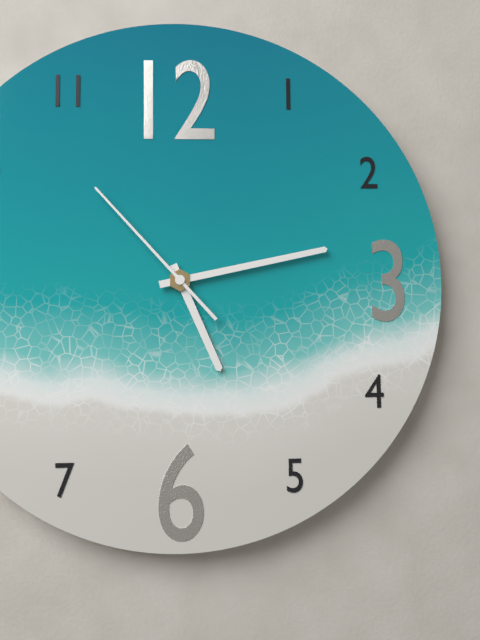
5:13:53
